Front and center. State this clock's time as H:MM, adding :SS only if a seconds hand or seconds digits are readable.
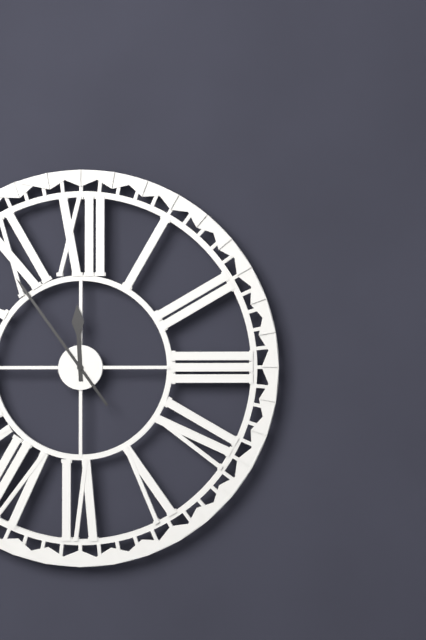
11:54
